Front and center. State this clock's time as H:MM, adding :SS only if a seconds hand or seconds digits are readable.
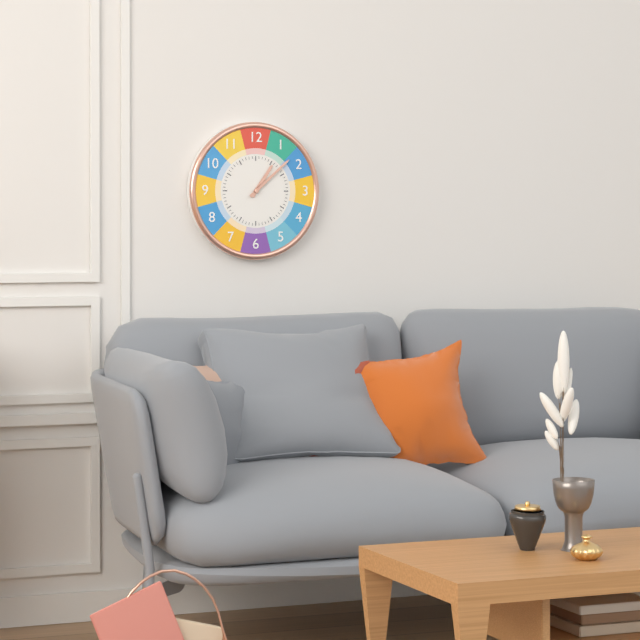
1:08
